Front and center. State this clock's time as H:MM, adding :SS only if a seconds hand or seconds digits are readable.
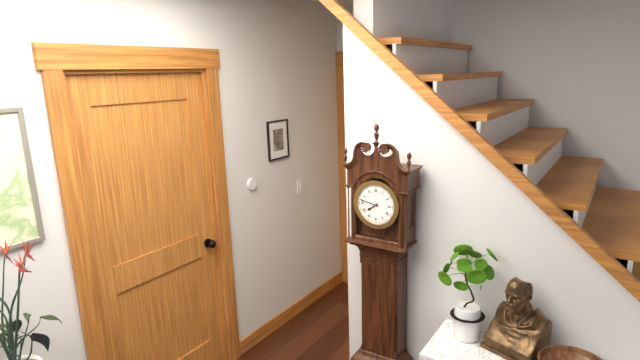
7:47
